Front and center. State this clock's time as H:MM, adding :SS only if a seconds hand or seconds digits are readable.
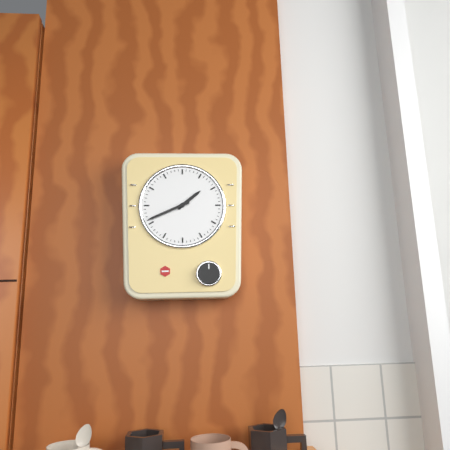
1:41
